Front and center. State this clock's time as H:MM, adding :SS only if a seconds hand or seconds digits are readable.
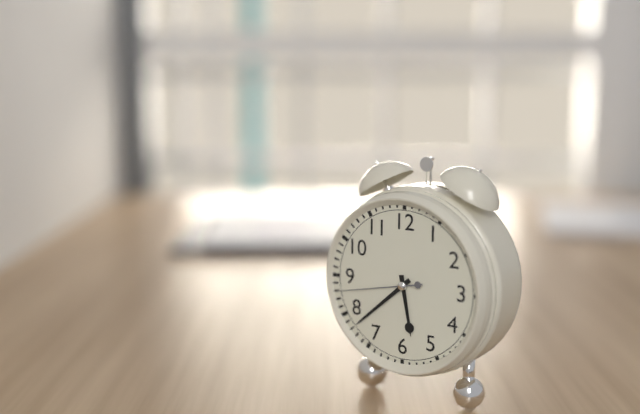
5:38:43
